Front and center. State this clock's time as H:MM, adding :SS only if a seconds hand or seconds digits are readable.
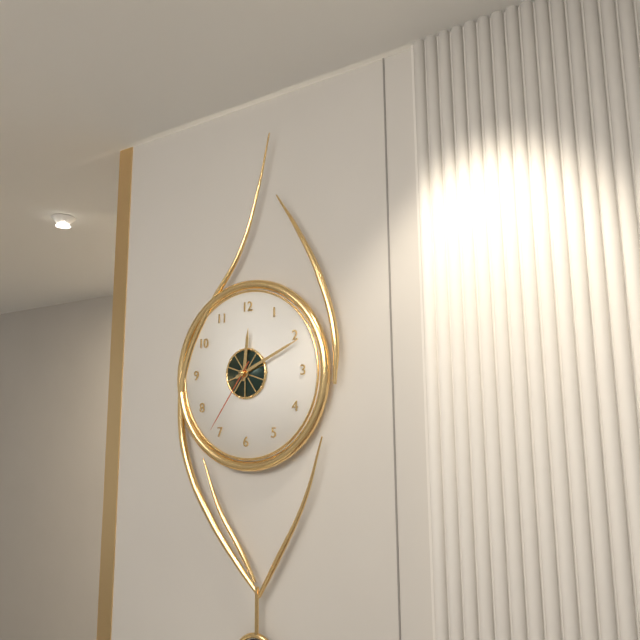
12:11:36
